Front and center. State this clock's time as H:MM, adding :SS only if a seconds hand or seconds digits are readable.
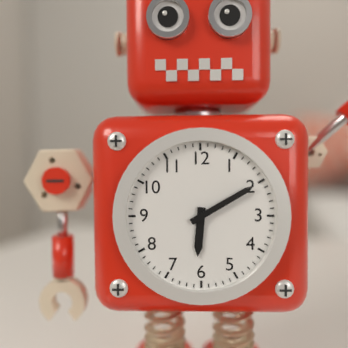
6:10
